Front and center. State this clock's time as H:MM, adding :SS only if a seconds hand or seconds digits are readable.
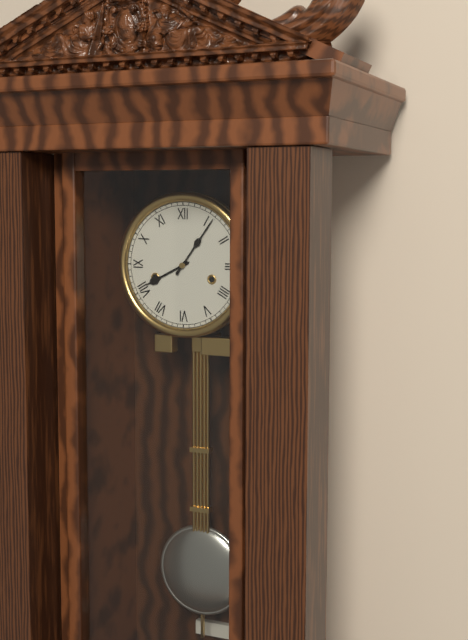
8:06
